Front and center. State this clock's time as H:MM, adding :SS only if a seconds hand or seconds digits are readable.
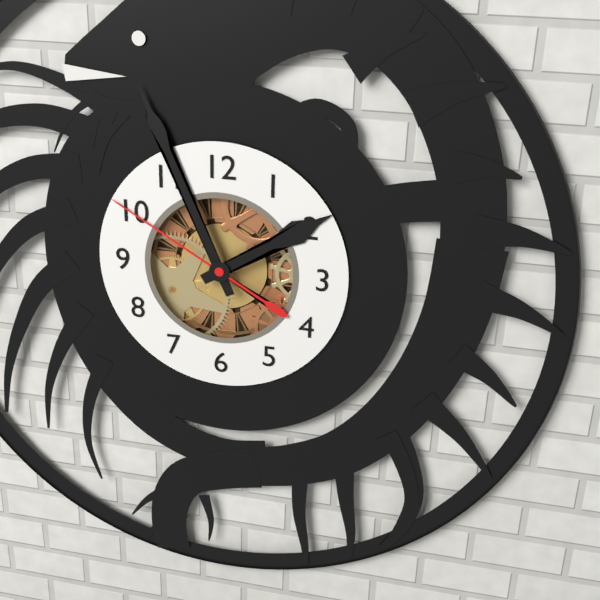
1:56:50
